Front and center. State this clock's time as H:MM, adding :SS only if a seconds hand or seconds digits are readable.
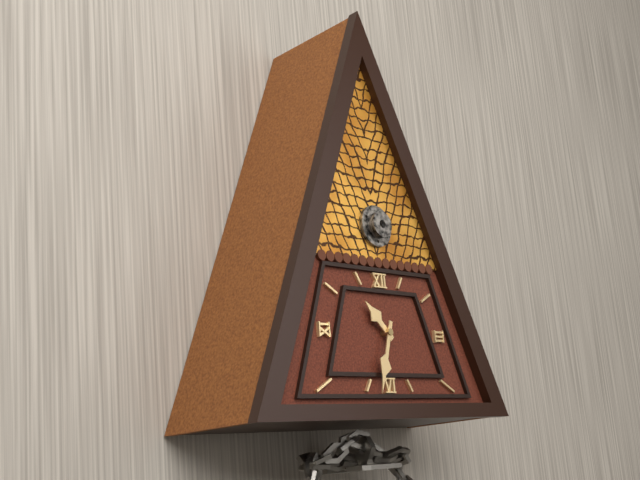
10:33
